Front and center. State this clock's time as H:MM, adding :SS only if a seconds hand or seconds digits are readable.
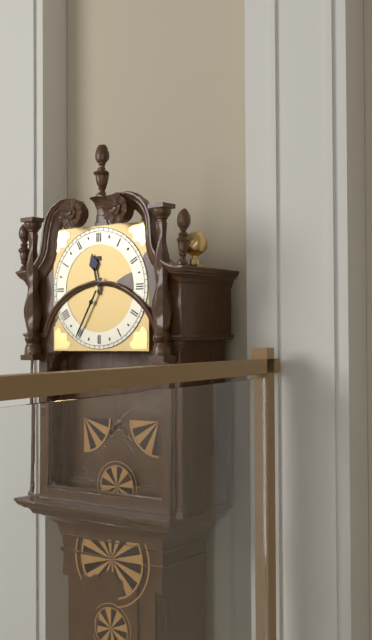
11:35
